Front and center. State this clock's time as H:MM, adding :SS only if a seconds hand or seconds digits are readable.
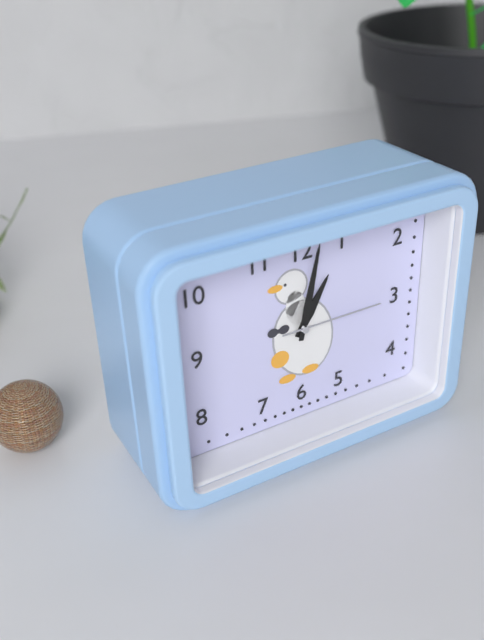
1:02:15
